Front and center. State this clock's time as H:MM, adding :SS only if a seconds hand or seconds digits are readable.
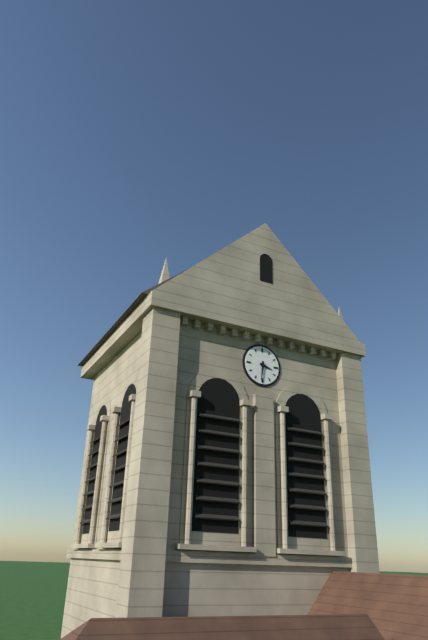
3:31
